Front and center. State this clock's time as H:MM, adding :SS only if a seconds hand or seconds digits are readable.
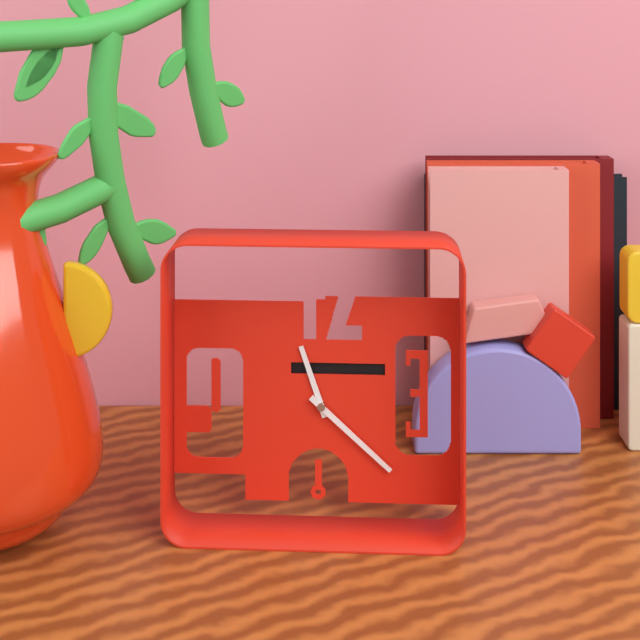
11:22
